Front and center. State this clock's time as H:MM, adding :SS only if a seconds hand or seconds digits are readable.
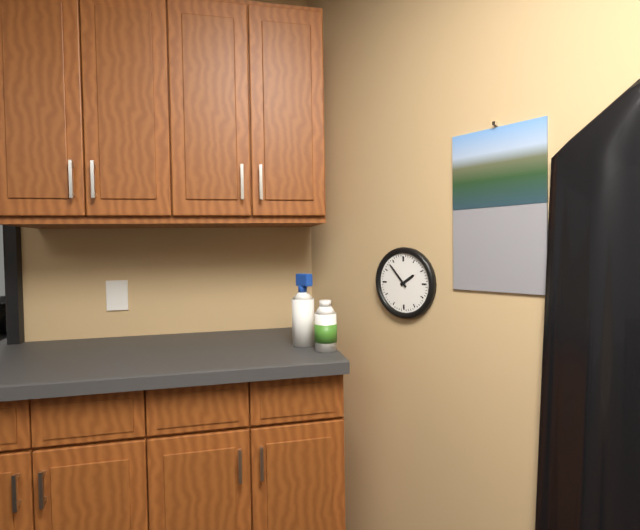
1:53
